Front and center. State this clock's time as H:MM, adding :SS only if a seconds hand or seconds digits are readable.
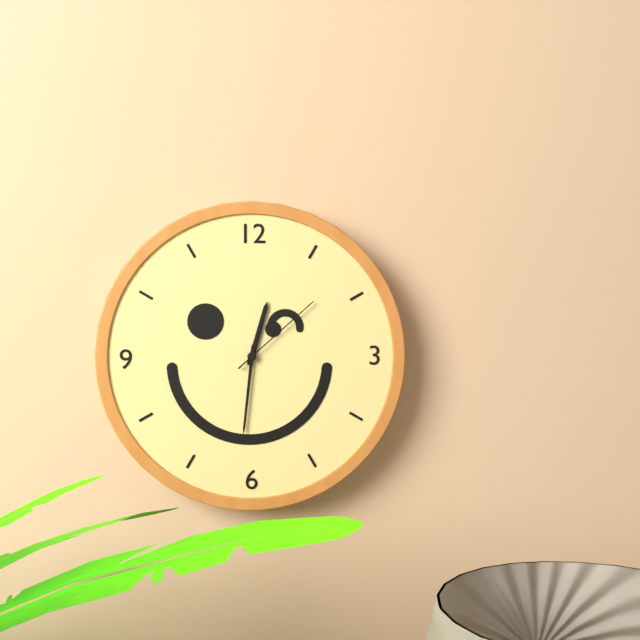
12:31:08
